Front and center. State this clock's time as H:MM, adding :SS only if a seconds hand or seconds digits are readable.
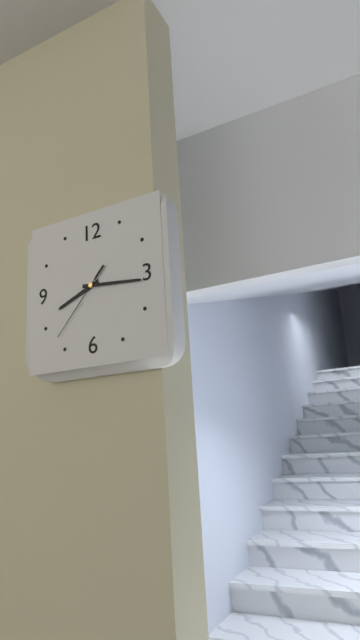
8:16:37
